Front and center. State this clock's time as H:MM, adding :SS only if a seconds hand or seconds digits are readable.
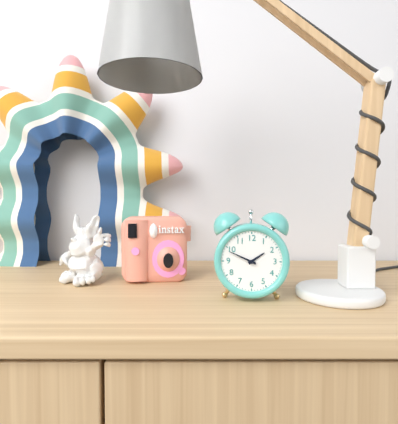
1:49
